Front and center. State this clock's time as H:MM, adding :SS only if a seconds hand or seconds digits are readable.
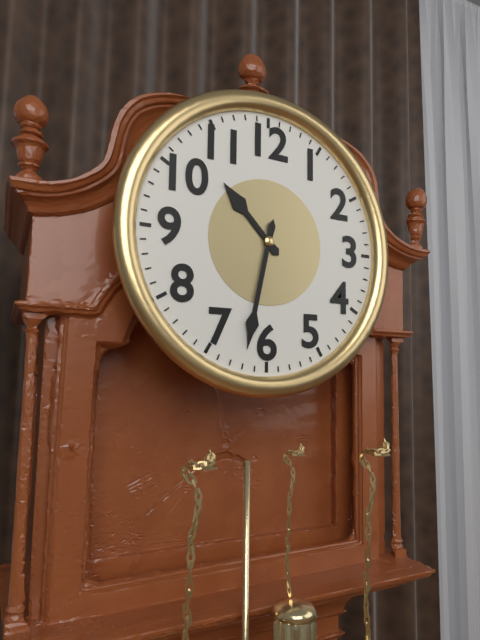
10:32
